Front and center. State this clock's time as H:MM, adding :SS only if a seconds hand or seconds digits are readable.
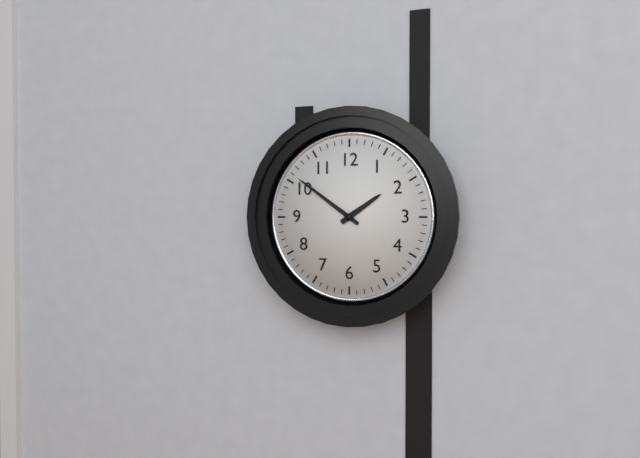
1:51
